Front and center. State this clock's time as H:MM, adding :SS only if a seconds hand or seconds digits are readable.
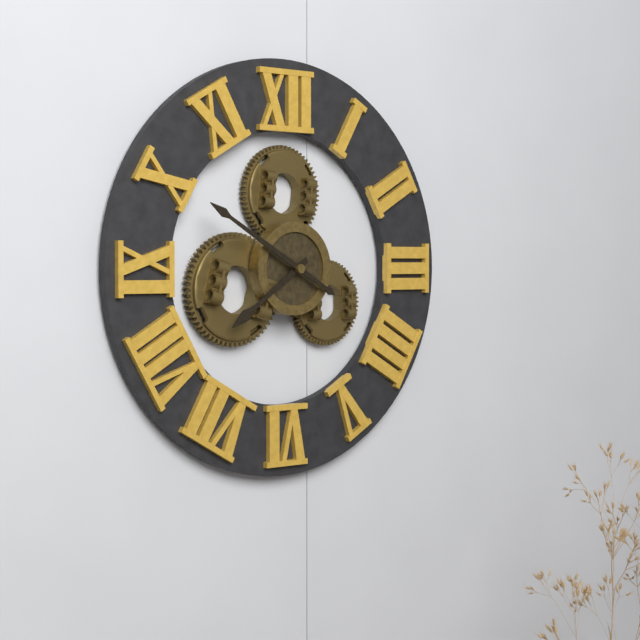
7:50
